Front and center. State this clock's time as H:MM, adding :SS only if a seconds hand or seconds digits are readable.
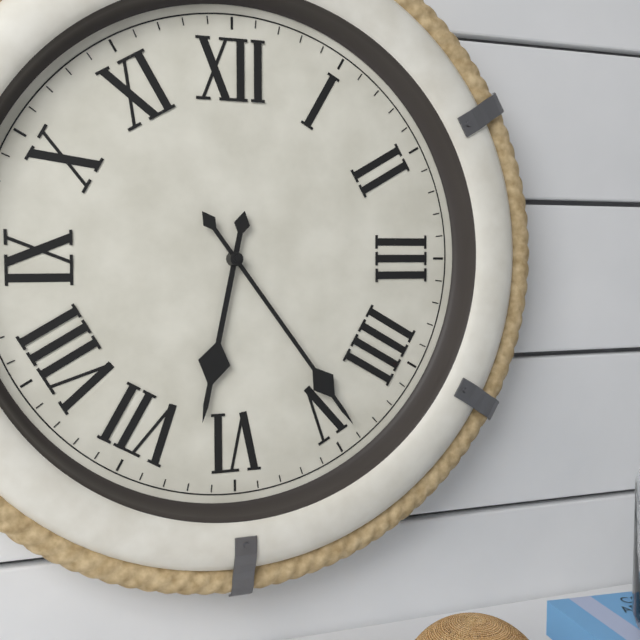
6:24
